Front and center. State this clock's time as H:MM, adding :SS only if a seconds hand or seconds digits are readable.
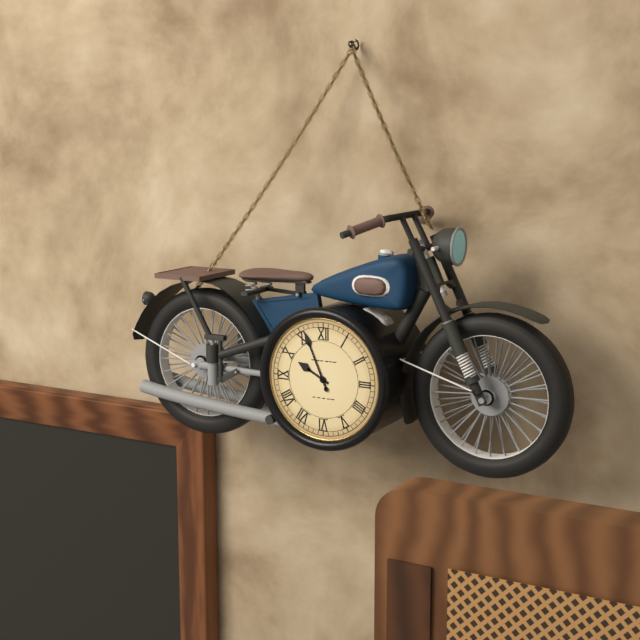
9:56
